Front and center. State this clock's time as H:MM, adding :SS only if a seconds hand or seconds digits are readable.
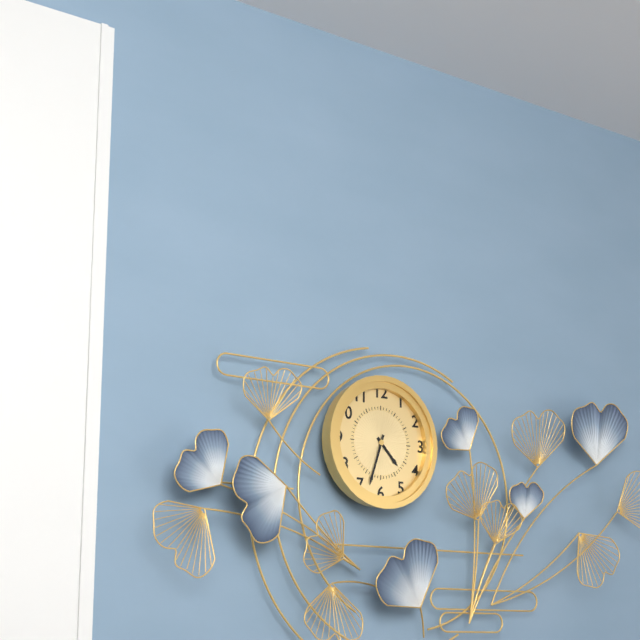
4:33
